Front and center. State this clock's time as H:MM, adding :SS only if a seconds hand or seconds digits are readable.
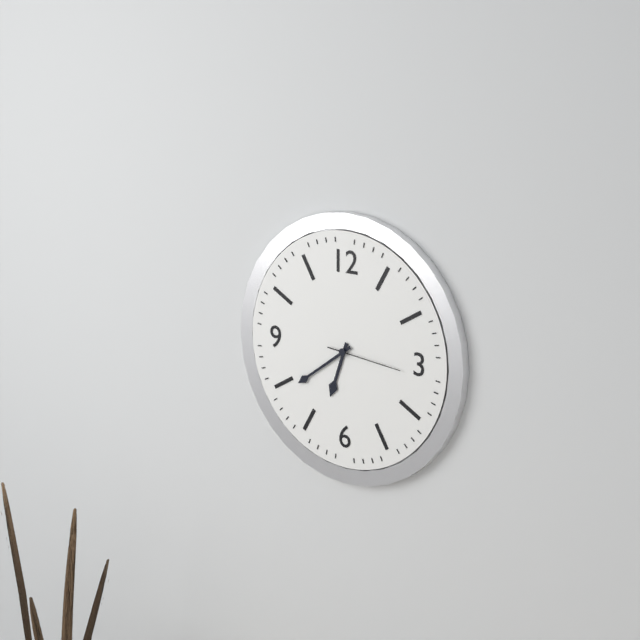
6:39:16
